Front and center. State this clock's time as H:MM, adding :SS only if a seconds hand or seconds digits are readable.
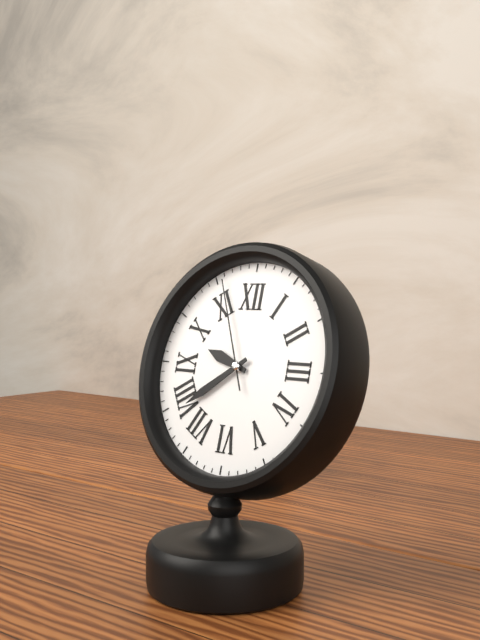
9:39:56
